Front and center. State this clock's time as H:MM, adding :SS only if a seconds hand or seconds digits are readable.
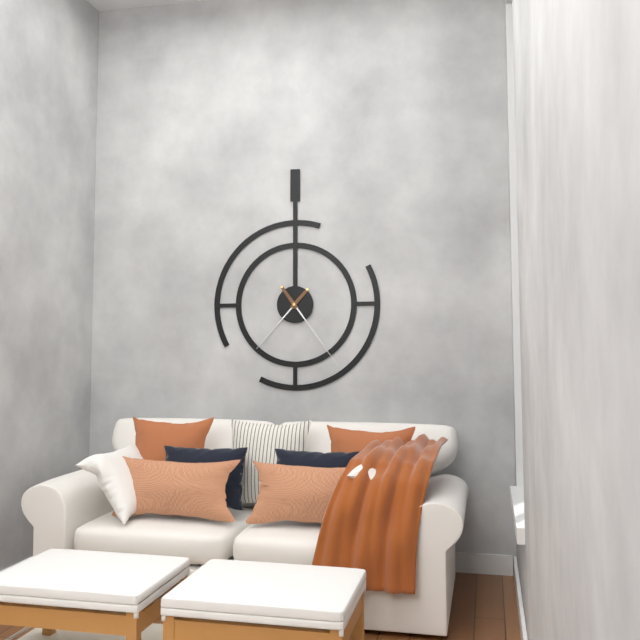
7:24
